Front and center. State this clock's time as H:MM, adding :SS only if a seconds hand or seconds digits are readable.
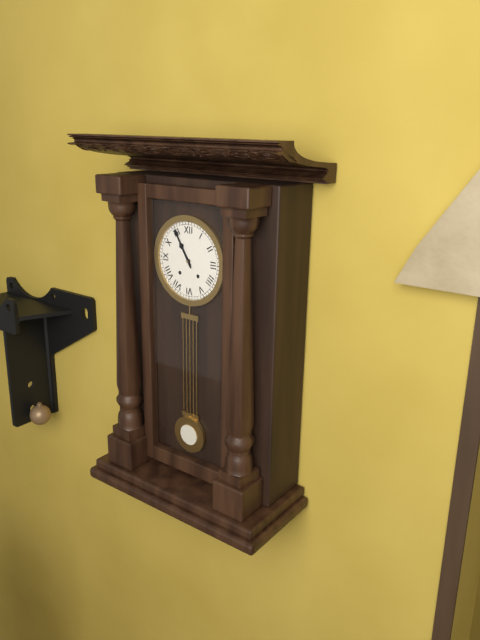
10:55
